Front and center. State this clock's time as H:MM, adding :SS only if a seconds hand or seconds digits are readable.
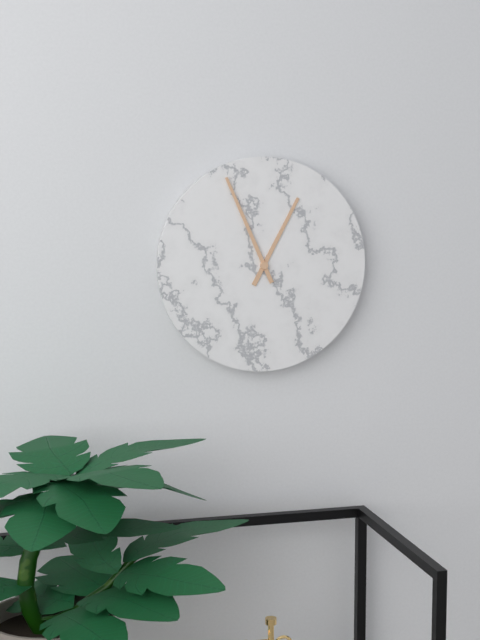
12:56
